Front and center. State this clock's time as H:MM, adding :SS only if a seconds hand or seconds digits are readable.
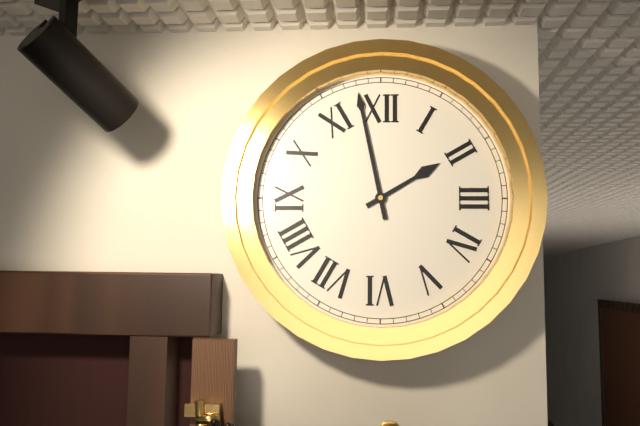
1:58
